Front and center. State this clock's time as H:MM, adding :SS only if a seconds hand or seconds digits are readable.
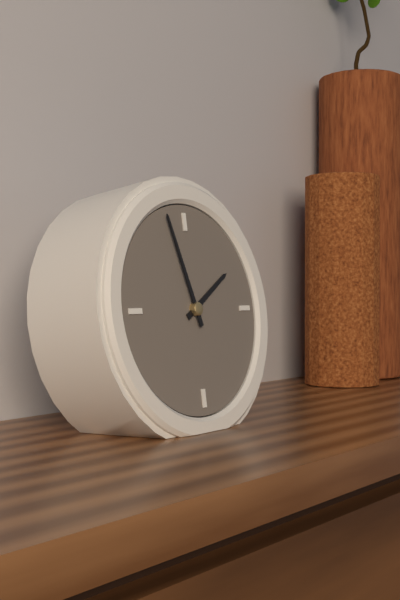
1:57
